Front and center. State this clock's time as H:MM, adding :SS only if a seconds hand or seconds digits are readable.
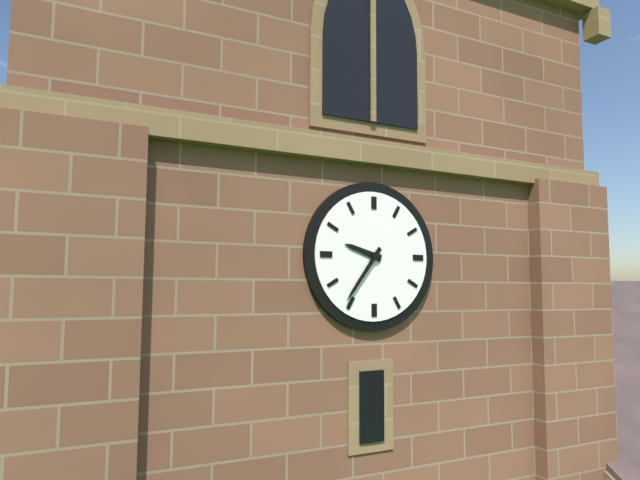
9:36
